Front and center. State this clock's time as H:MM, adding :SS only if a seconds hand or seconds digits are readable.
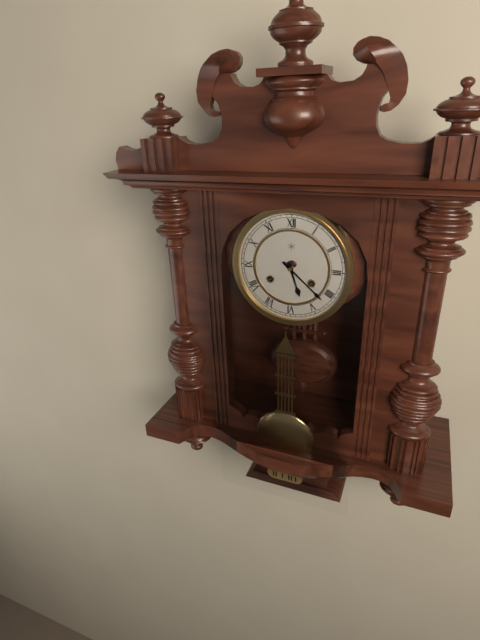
5:22
